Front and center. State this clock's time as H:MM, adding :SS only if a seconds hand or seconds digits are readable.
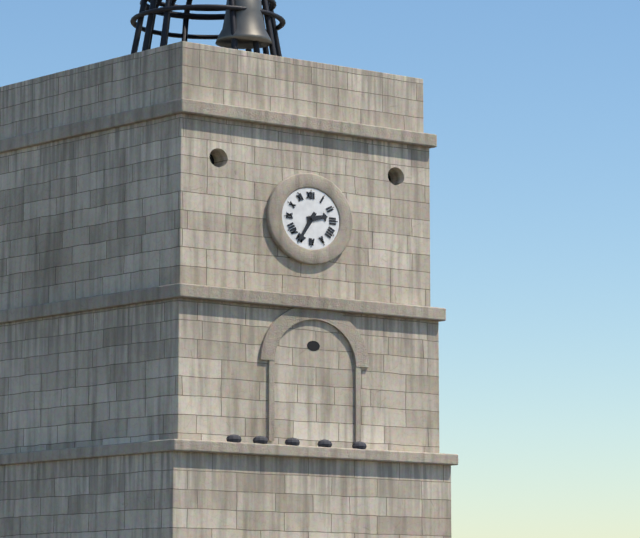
2:35
